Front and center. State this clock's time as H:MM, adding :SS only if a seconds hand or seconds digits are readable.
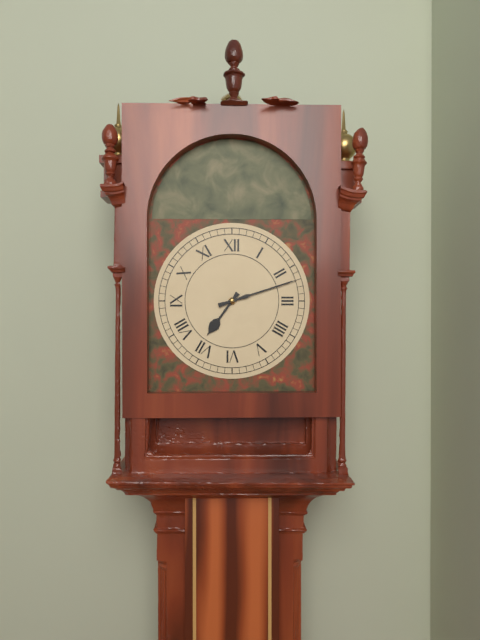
7:12
